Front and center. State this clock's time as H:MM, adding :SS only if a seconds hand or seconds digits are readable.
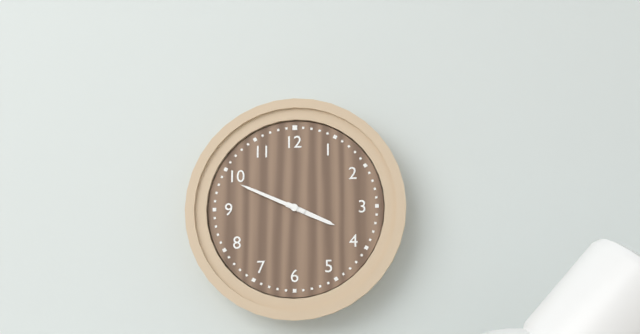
3:49
